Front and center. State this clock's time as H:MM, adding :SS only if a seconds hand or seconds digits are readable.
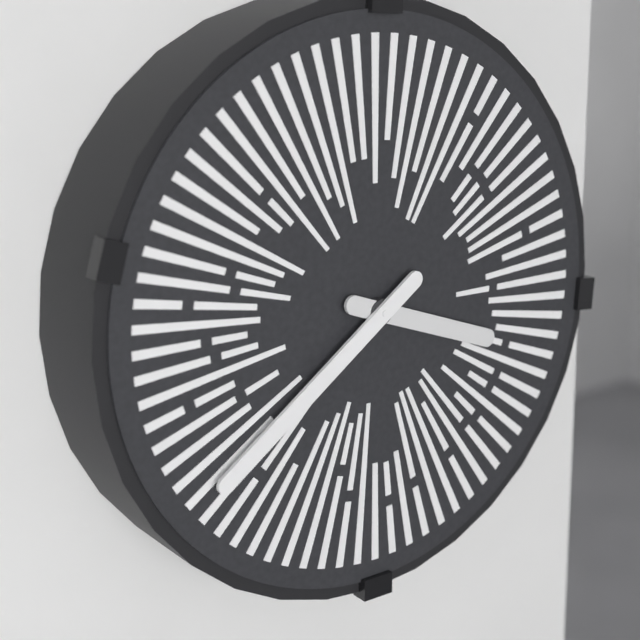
3:39
